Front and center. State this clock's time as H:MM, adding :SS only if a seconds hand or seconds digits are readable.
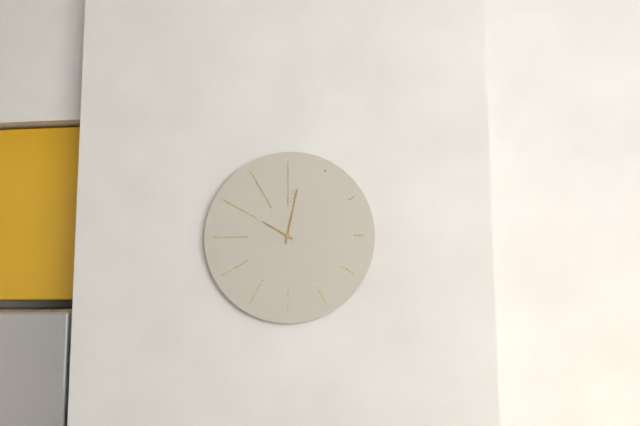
10:02
